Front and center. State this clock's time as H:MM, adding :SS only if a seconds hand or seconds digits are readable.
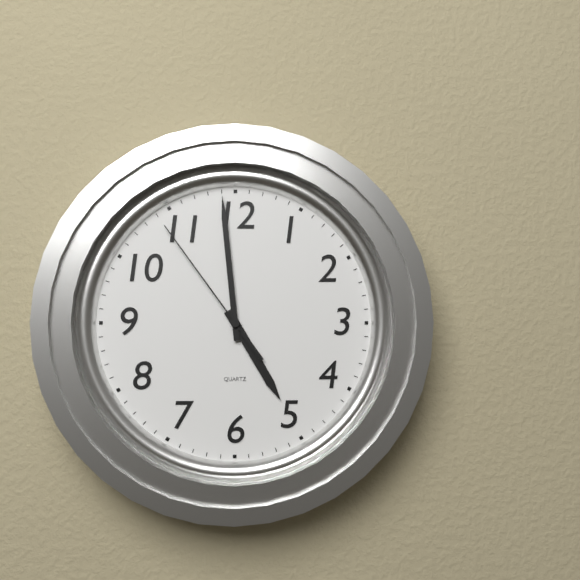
4:59:54
